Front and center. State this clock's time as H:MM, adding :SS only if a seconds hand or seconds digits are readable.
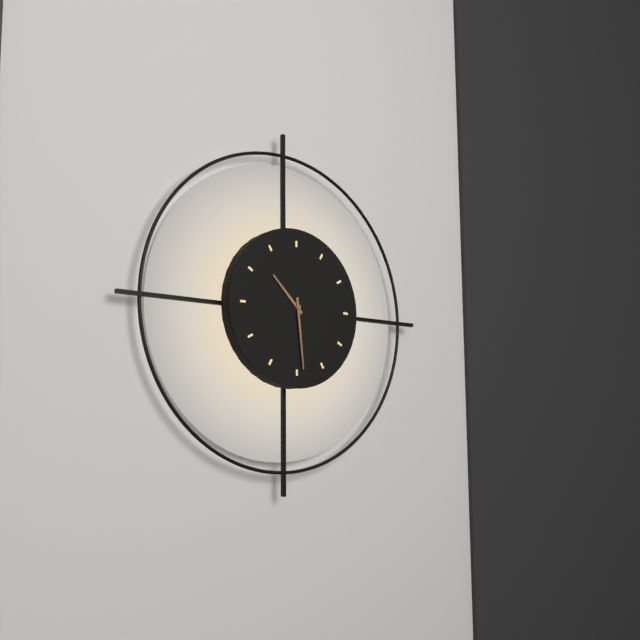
10:29
